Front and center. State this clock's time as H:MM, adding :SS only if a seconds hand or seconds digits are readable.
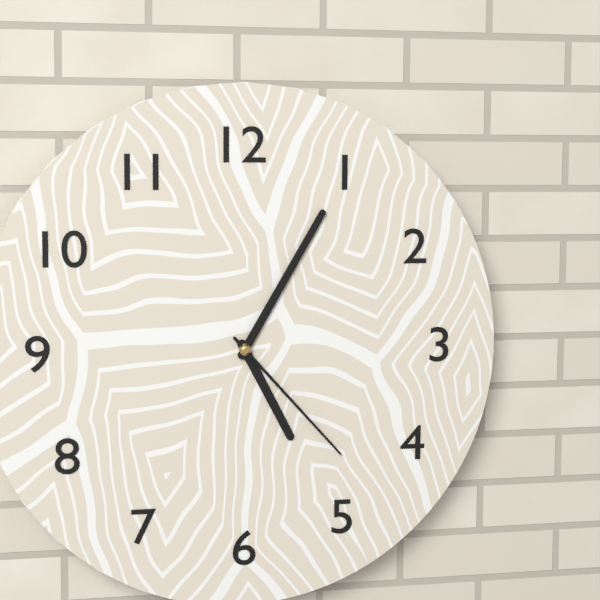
5:05:23
